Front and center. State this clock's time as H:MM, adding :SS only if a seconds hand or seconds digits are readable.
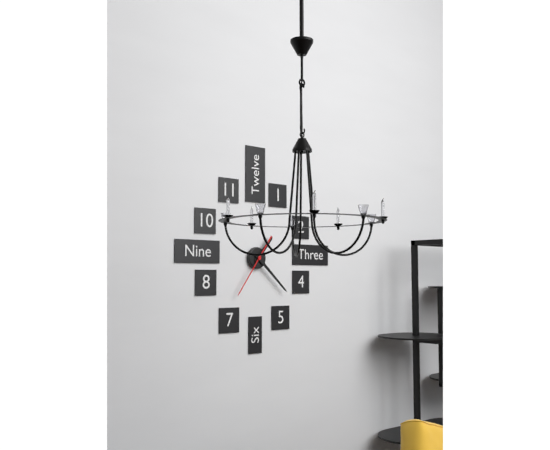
1:22:36
